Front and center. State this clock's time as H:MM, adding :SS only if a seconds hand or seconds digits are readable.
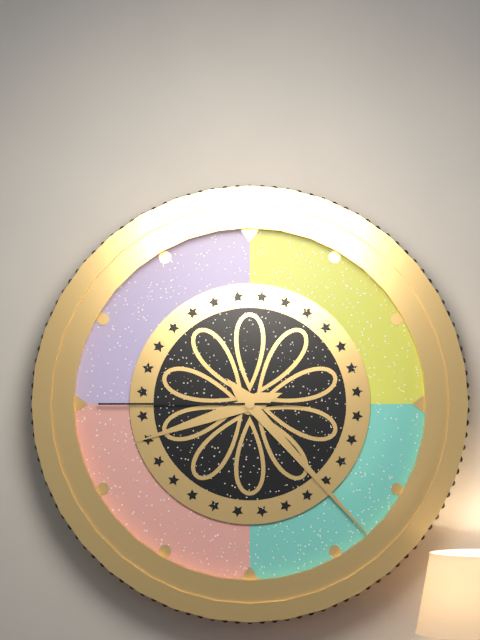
8:23:45
